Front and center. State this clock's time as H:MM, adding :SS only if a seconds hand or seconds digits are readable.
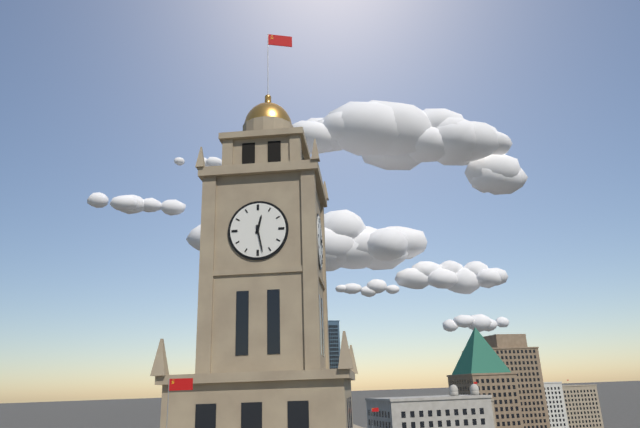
12:28
